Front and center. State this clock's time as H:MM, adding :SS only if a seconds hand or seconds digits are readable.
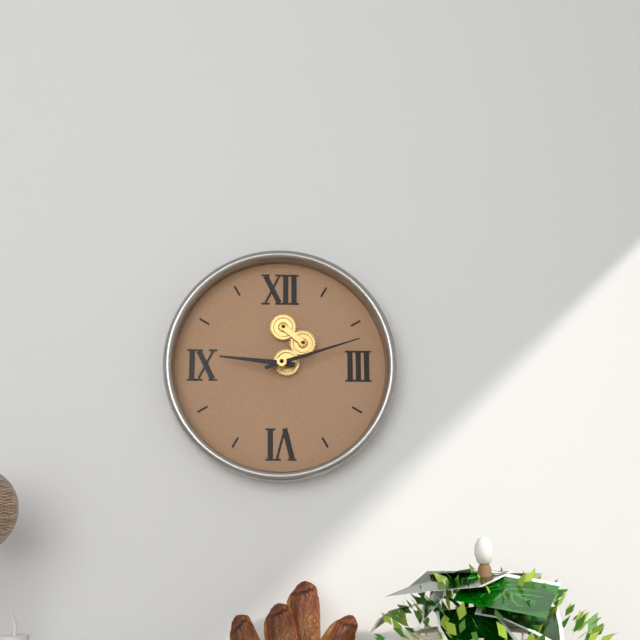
9:12
